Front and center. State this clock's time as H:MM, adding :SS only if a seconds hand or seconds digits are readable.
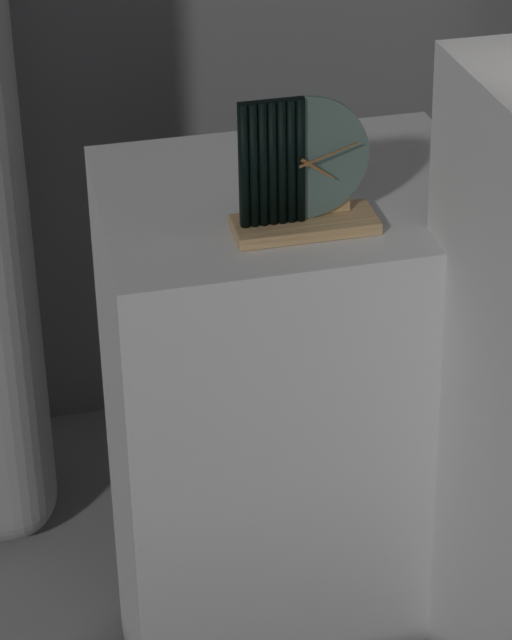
4:12
